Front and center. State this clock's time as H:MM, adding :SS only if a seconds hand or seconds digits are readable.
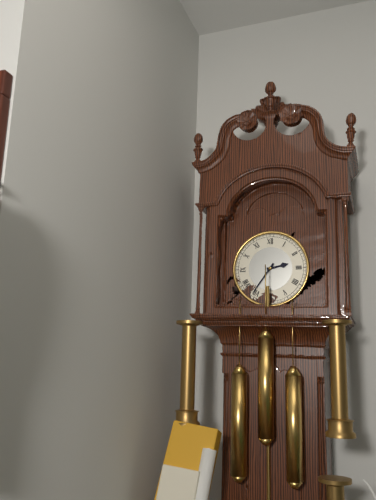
2:36
